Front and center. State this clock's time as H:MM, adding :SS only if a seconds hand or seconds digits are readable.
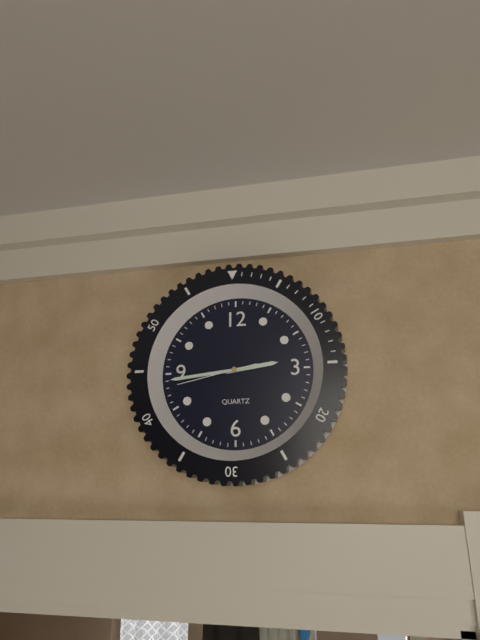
2:44:43
